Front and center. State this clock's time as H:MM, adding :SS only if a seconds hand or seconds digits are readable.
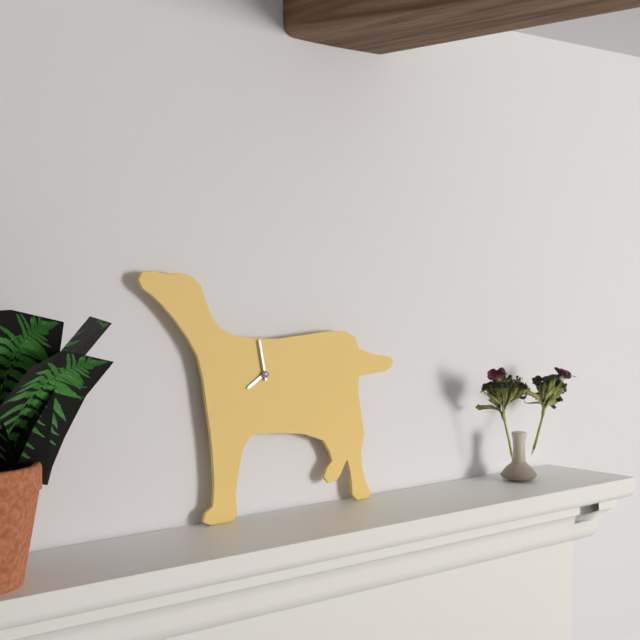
7:58
